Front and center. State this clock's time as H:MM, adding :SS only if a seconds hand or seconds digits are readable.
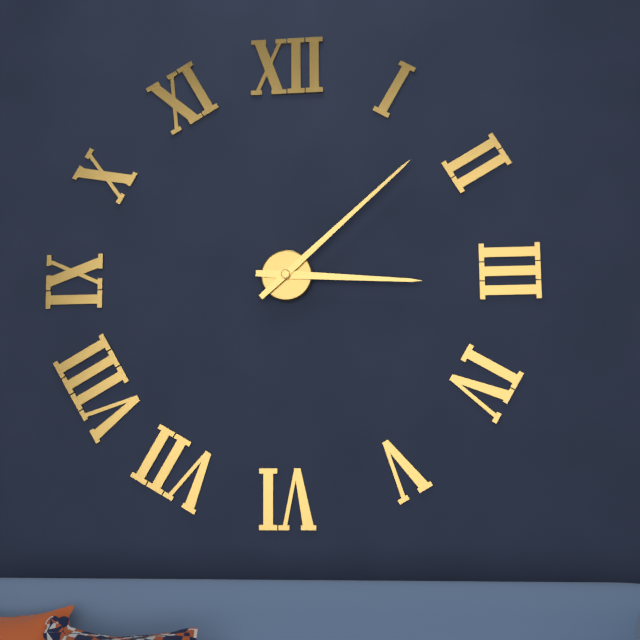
3:08
